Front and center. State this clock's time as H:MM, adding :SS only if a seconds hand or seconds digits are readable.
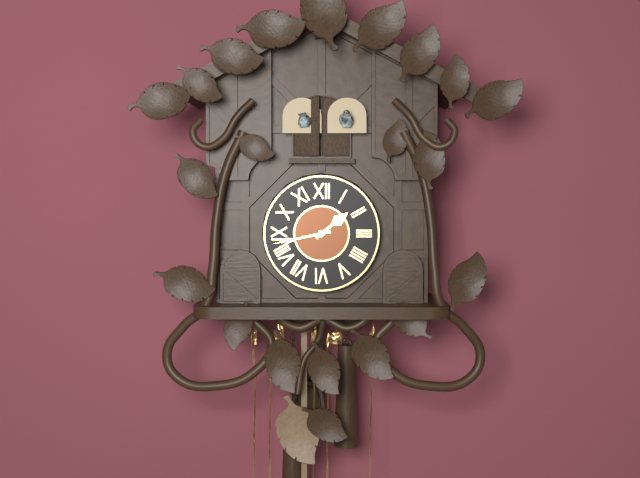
1:43
